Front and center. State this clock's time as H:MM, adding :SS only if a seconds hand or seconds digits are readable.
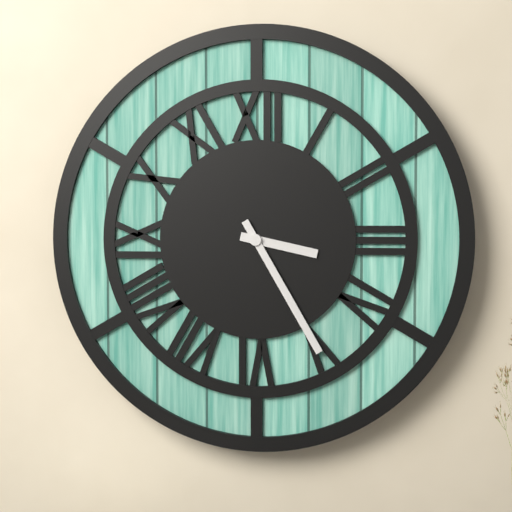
3:25
